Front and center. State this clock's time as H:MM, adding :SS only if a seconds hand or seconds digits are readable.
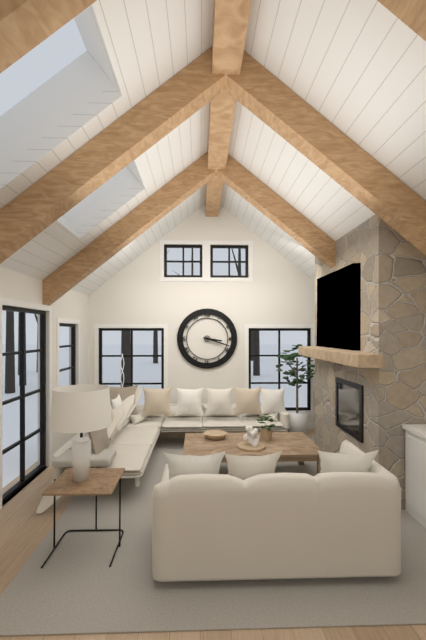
3:18
